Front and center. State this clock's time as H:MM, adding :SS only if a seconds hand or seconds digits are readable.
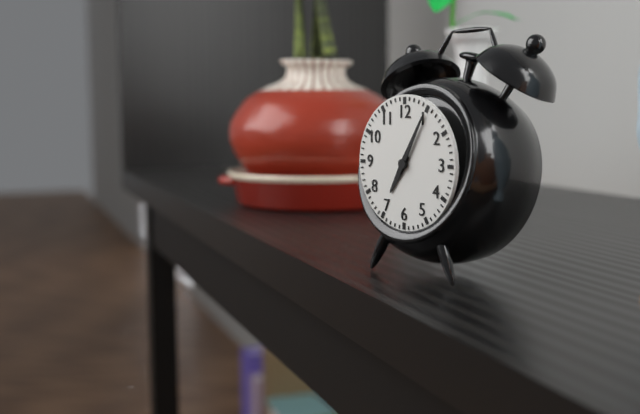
7:05
